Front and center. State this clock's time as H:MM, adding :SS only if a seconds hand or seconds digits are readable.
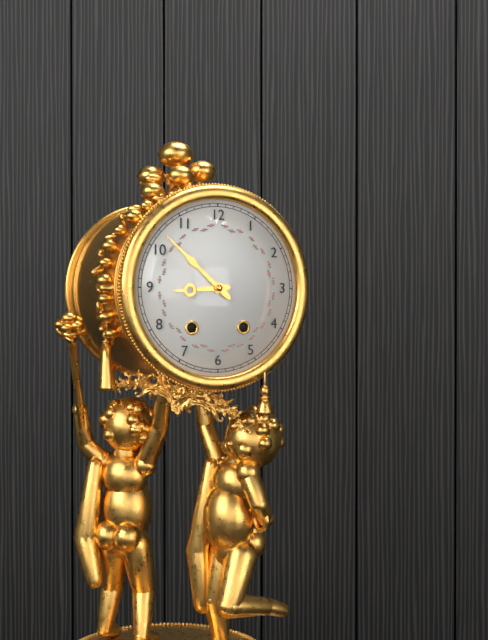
8:52
